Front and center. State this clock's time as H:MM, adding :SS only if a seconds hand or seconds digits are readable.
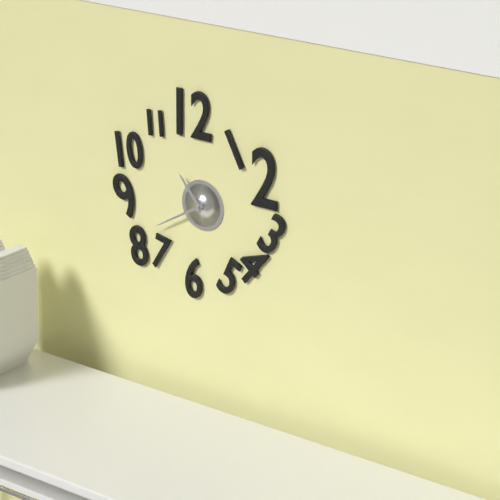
10:40
